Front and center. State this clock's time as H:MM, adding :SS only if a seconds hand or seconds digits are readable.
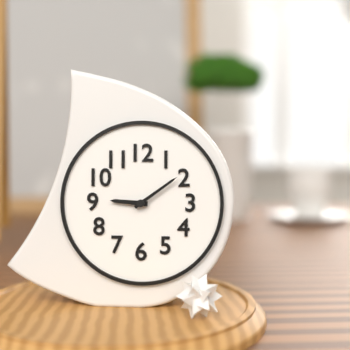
9:09
